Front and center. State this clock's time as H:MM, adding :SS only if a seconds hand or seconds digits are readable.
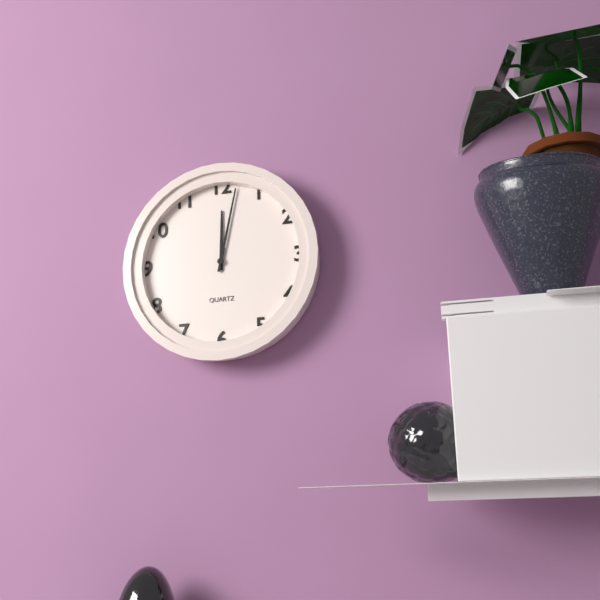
12:02
